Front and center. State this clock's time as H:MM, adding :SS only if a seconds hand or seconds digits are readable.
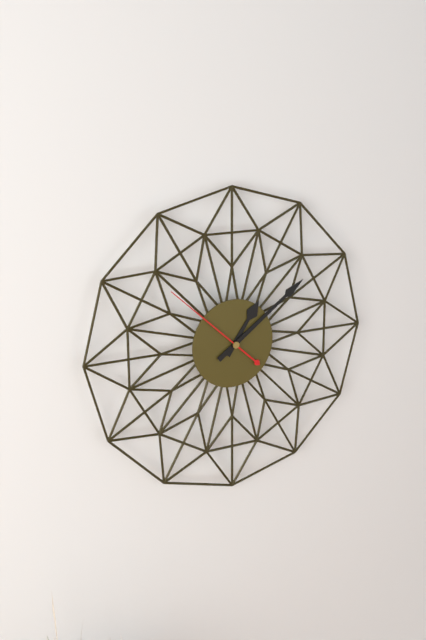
1:09:52
